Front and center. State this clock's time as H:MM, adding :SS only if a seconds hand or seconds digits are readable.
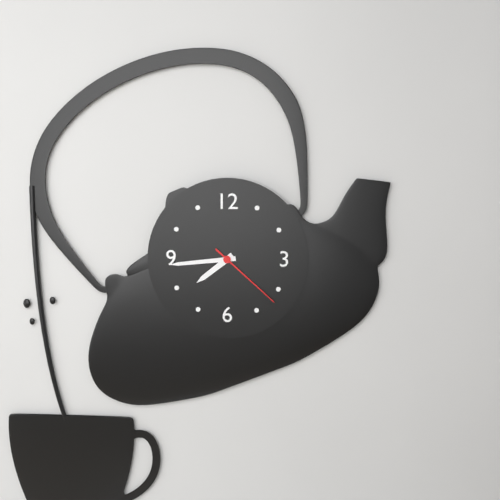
7:44:22
